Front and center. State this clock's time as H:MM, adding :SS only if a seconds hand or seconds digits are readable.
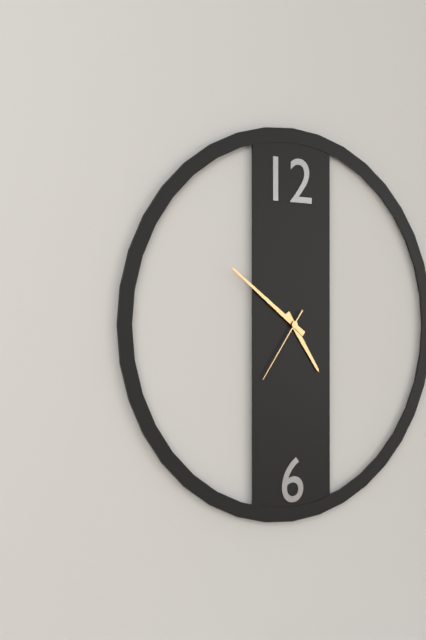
4:51:36
